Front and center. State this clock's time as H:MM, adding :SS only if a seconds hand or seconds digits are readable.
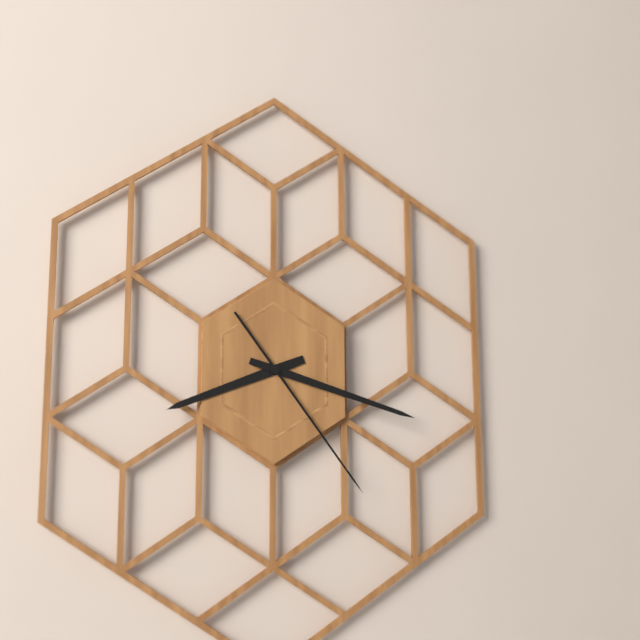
8:18:24
